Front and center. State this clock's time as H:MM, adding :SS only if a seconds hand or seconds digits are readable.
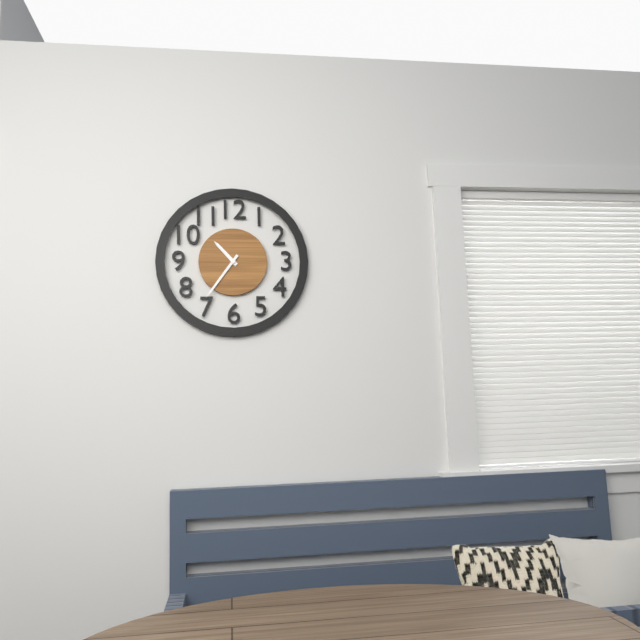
10:36
